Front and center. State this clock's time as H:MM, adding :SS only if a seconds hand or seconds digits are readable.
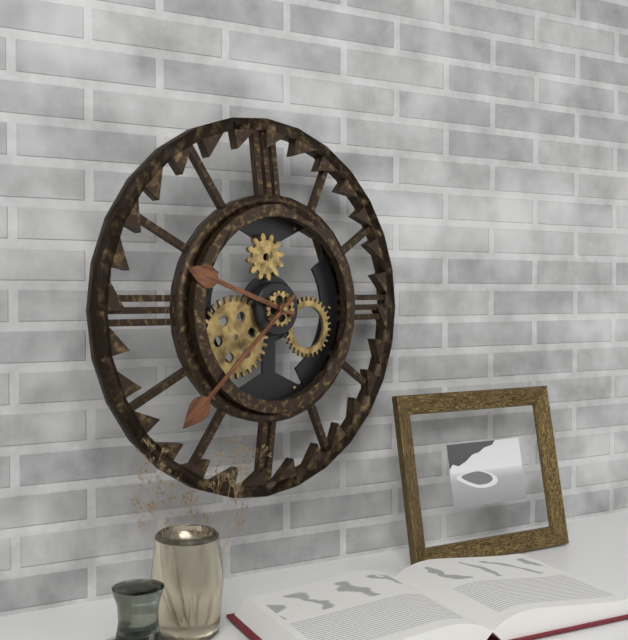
9:38
